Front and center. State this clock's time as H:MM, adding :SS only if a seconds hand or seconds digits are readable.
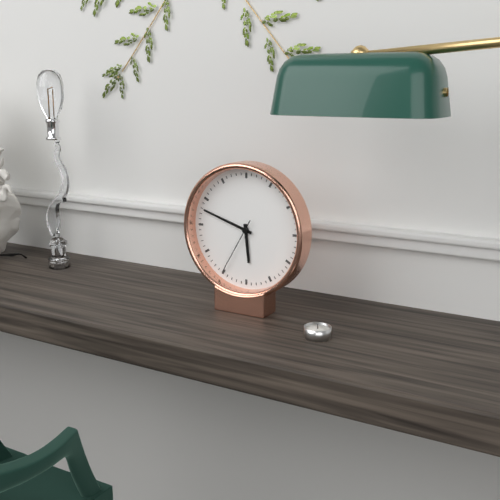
5:48:35
